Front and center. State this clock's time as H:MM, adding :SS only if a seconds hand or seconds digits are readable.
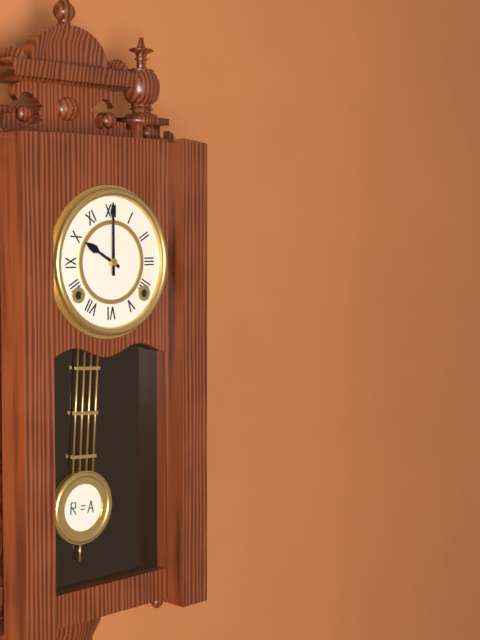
10:00
